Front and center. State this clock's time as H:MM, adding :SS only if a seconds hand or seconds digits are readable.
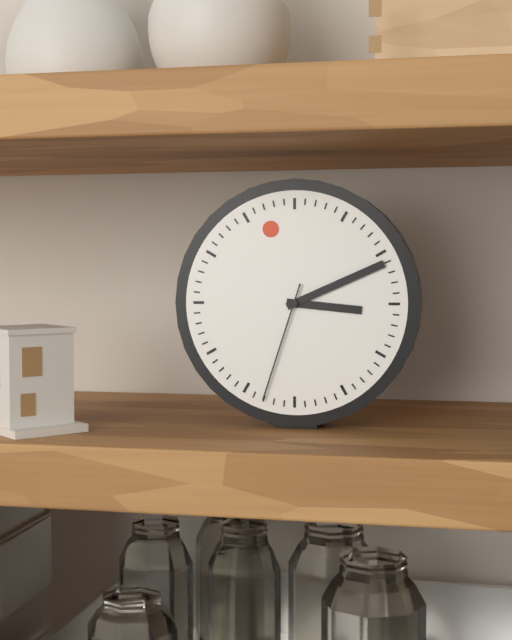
3:11:33
